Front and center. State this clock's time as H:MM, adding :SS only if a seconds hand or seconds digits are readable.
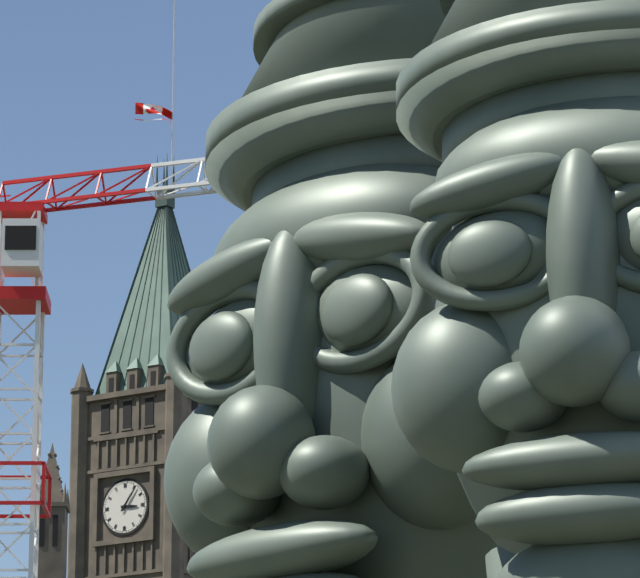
3:06
